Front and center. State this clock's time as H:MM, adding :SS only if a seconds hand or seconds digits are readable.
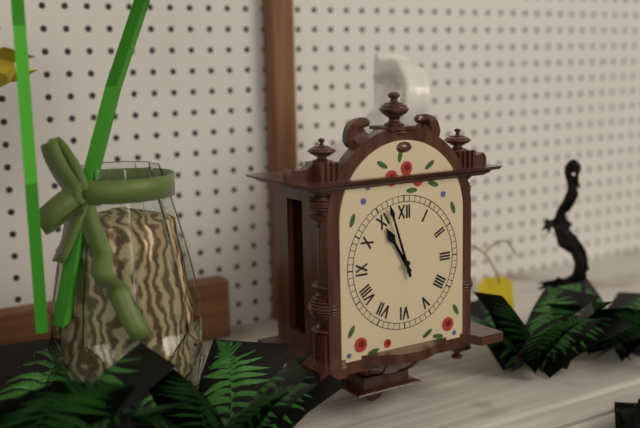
10:57
